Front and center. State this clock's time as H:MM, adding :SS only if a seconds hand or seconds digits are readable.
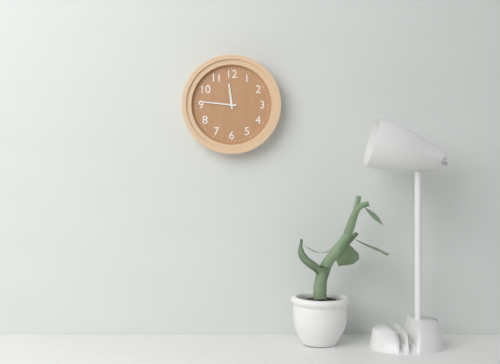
11:46
